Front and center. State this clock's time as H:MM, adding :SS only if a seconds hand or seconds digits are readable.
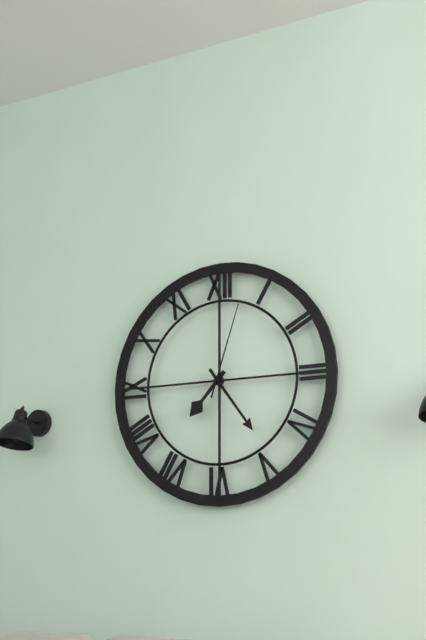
7:24:03
